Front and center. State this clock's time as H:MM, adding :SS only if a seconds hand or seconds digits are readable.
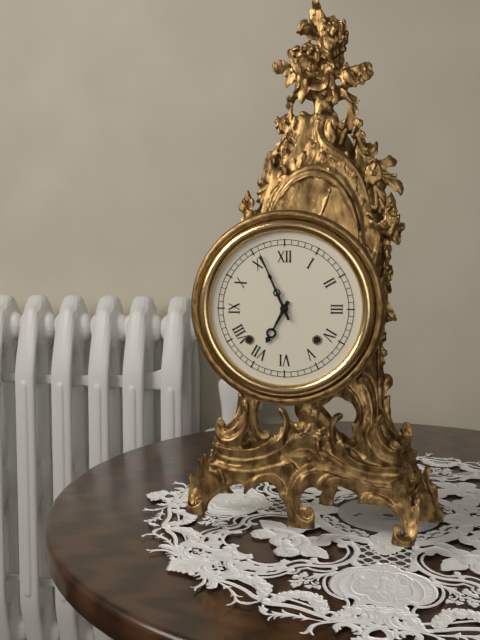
6:56
